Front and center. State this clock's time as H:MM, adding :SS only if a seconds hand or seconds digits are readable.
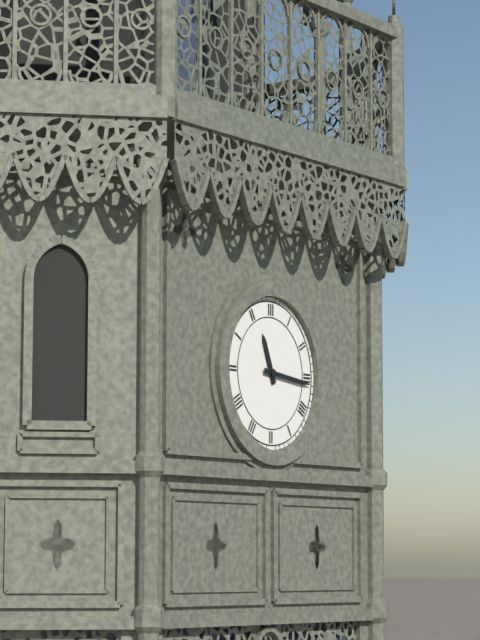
11:16
